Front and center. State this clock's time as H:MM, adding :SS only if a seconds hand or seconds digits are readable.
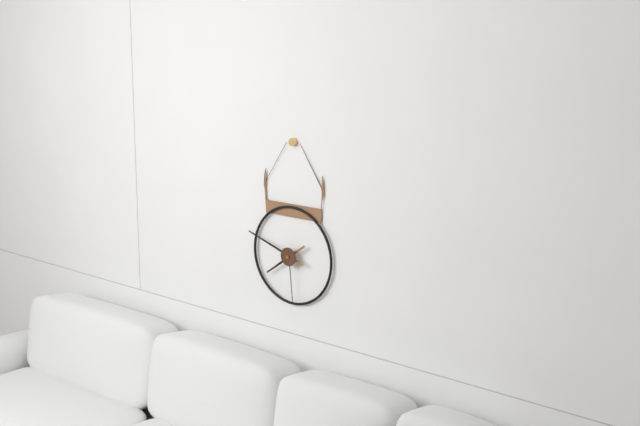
7:48:29
